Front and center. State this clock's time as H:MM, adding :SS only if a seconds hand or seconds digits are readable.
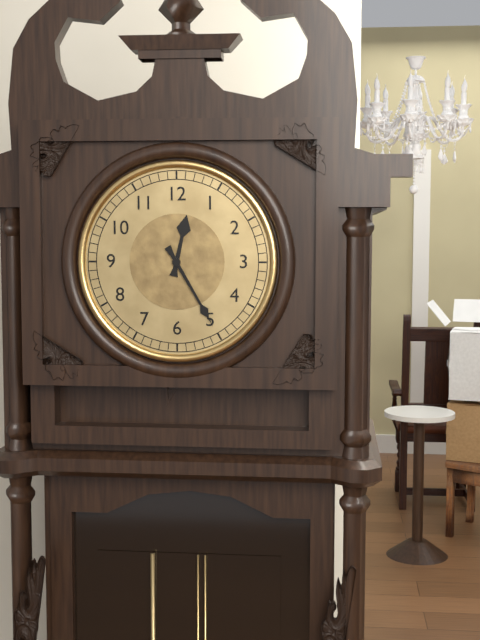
12:25
